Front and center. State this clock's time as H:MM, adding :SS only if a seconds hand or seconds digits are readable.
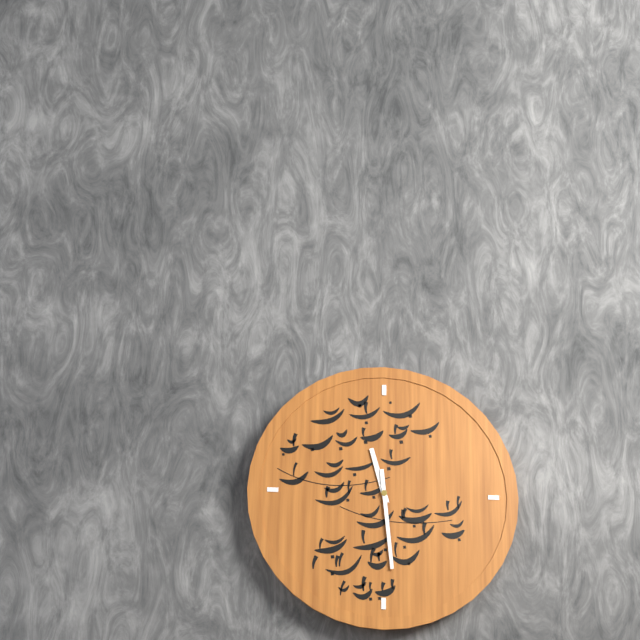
11:29
